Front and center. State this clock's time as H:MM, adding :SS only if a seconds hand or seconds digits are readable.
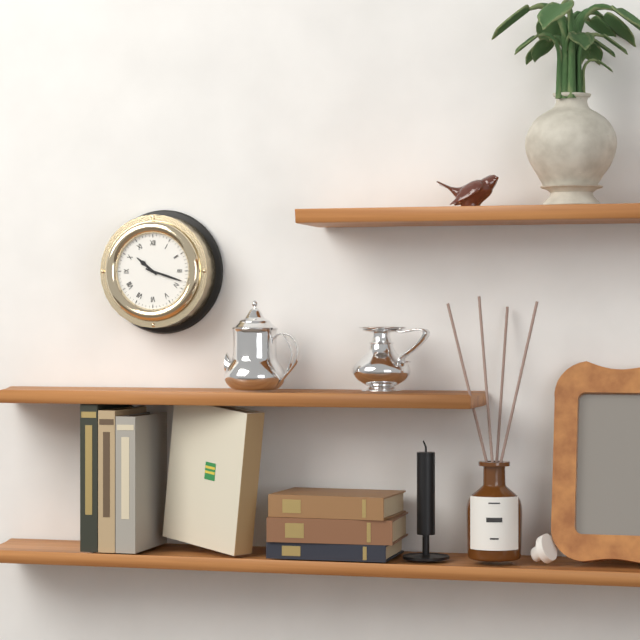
10:18
